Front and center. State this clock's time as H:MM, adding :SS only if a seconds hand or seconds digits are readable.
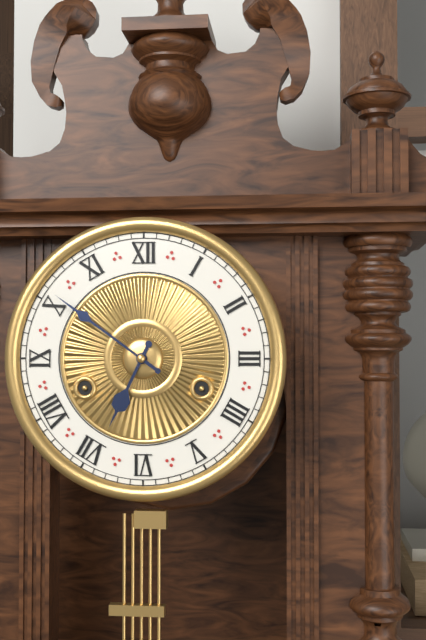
6:51
